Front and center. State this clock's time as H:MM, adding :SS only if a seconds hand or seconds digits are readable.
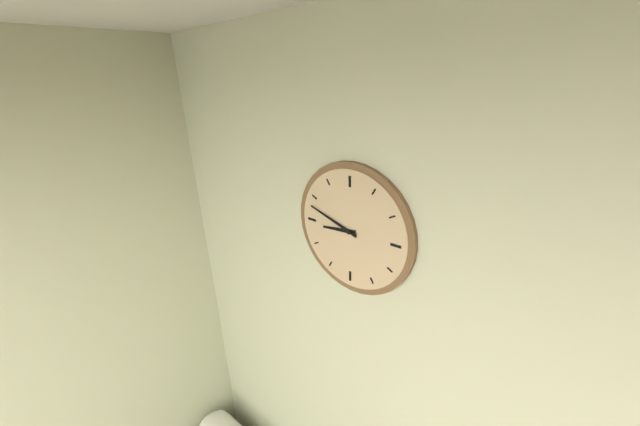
8:48
